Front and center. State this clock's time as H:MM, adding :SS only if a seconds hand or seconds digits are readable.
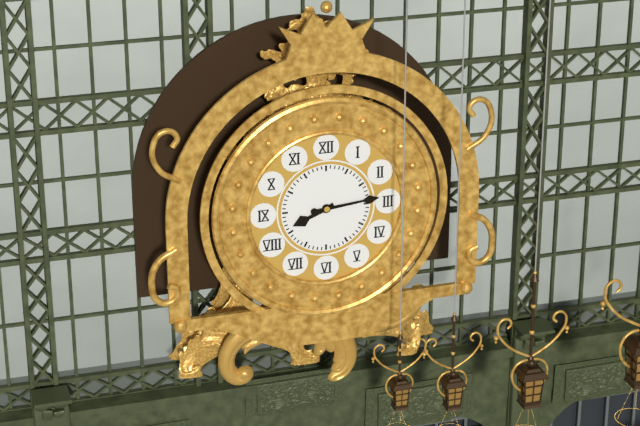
8:14
